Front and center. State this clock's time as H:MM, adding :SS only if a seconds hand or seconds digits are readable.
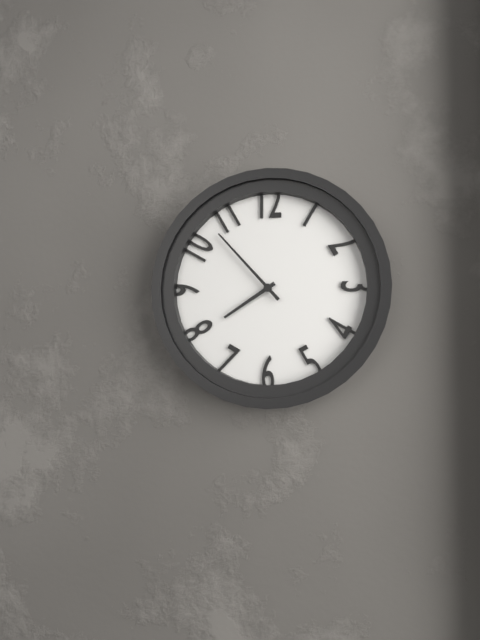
7:53
